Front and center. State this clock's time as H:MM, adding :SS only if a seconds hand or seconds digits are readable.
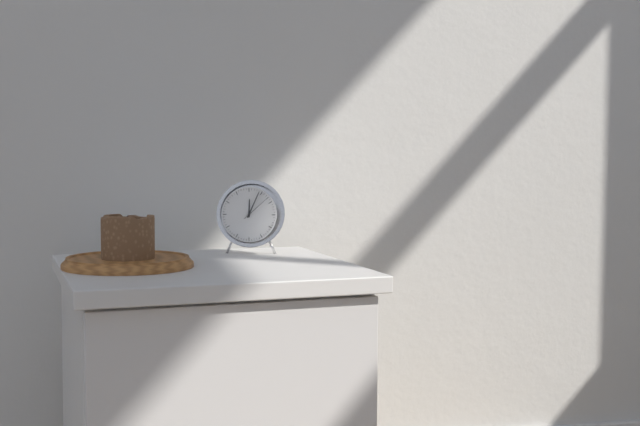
12:04
